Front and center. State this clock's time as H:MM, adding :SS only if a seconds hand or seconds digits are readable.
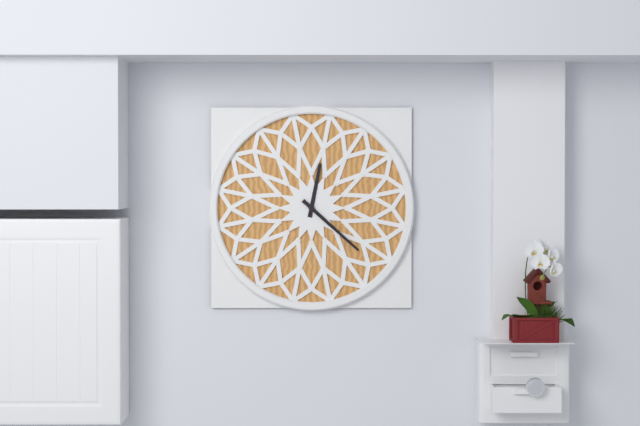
12:22
